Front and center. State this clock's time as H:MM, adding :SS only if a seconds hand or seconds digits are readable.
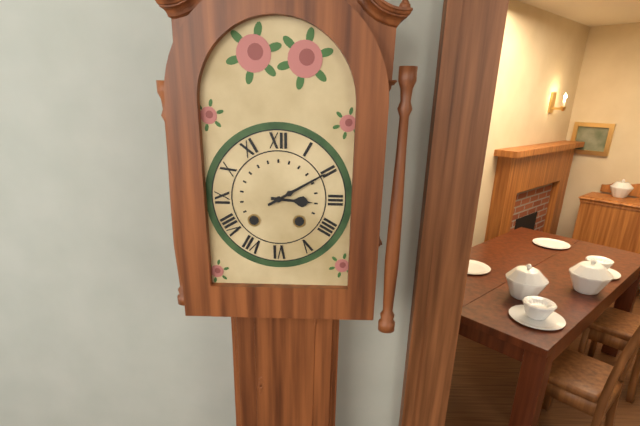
3:10
